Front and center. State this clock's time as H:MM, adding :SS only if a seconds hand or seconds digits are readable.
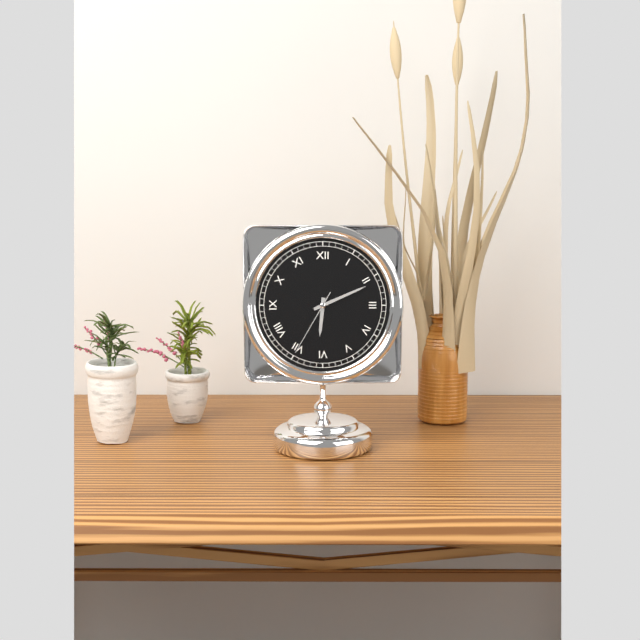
6:11:35
